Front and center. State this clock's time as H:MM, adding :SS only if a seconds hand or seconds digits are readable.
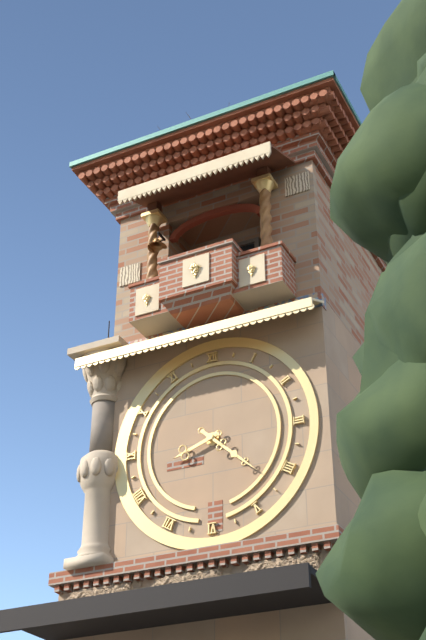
8:22
